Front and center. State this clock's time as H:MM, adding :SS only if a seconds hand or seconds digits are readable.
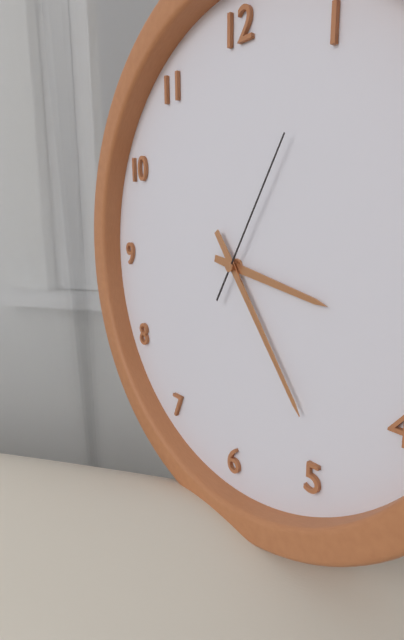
3:24:05
